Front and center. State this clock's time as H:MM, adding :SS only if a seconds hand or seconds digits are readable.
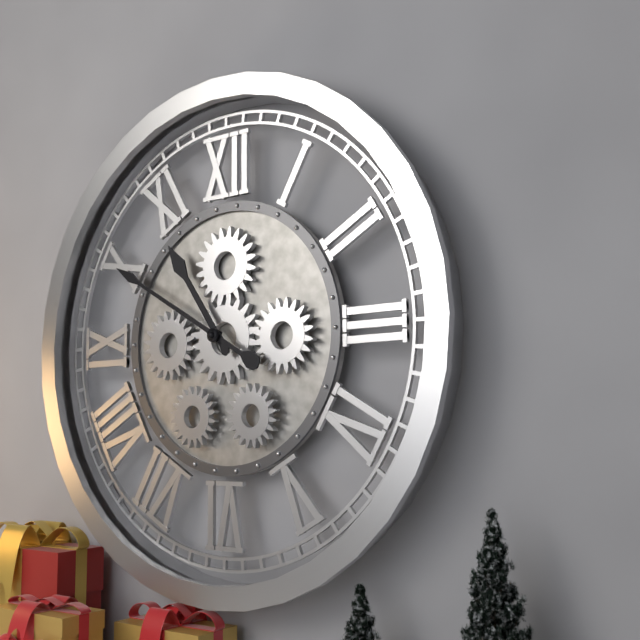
10:50
